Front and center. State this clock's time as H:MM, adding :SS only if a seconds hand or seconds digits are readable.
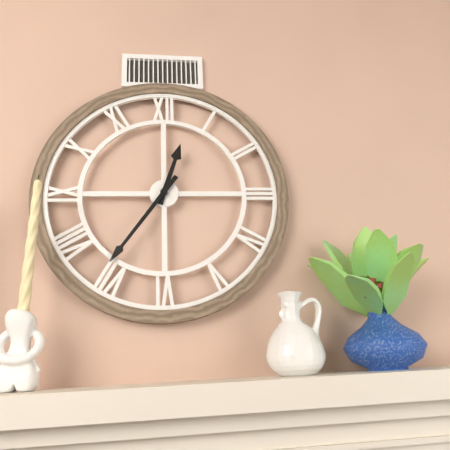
12:36
